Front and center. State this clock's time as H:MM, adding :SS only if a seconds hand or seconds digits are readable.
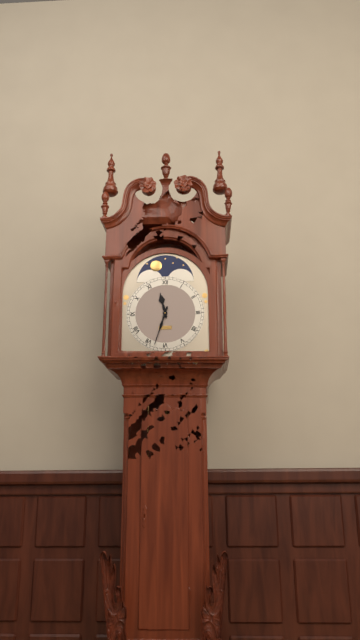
11:33
